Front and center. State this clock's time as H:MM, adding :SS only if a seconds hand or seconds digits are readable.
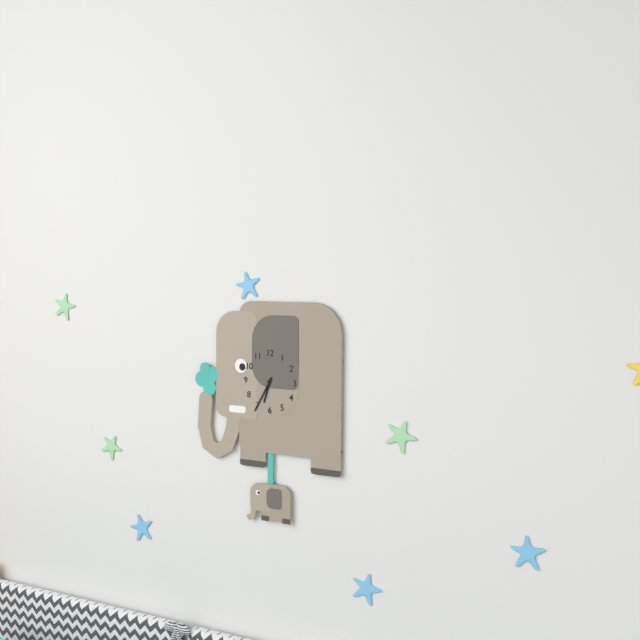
6:35
